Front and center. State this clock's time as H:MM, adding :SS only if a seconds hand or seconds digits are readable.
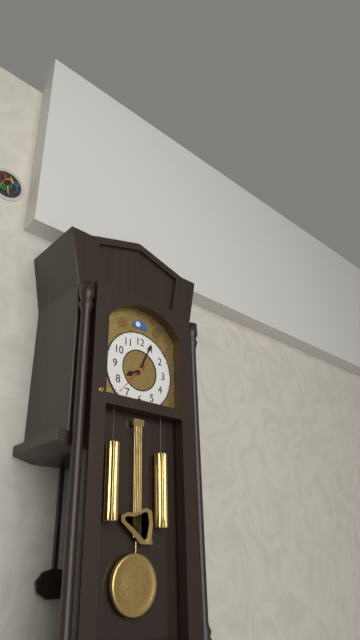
8:04
